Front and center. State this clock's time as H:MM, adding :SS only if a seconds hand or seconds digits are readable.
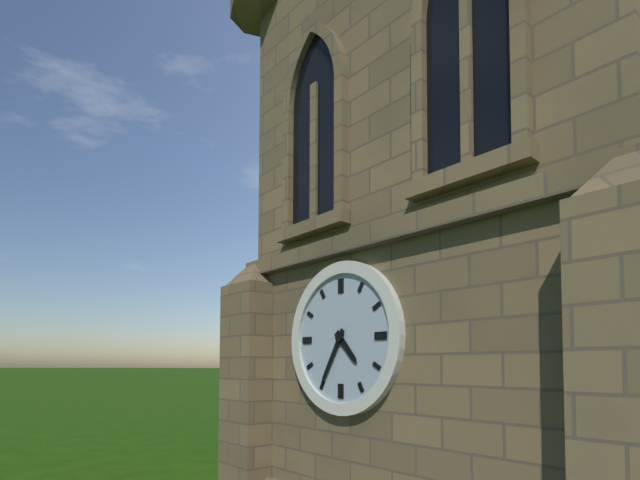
4:35
